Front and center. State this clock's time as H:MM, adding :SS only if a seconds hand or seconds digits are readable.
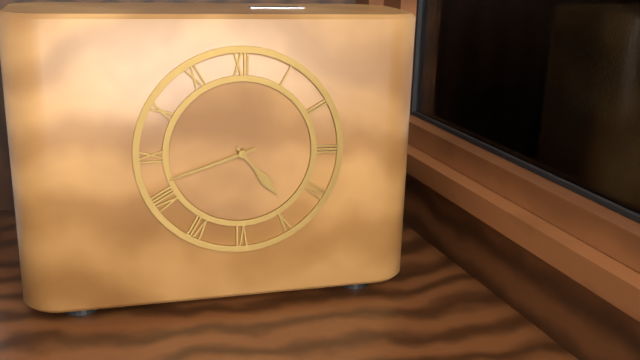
4:42
